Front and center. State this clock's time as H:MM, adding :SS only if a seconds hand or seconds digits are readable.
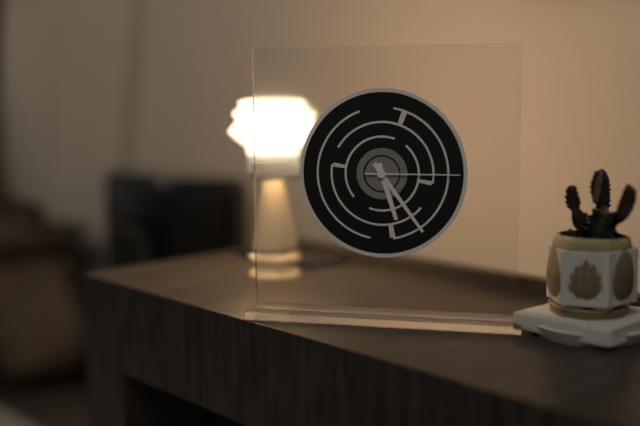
5:24:15
